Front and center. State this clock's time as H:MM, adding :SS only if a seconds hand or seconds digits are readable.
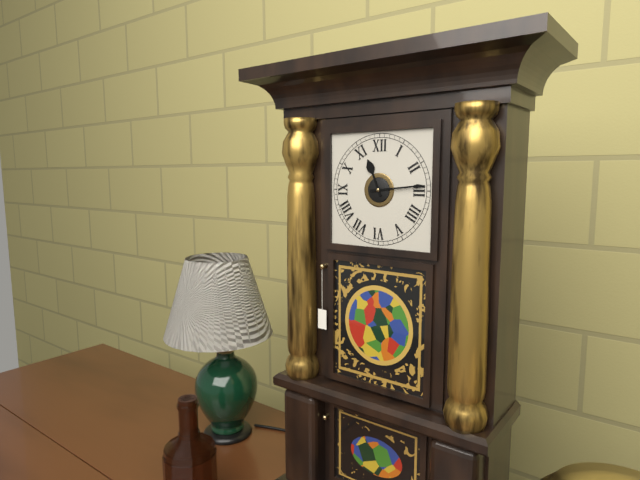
11:14
